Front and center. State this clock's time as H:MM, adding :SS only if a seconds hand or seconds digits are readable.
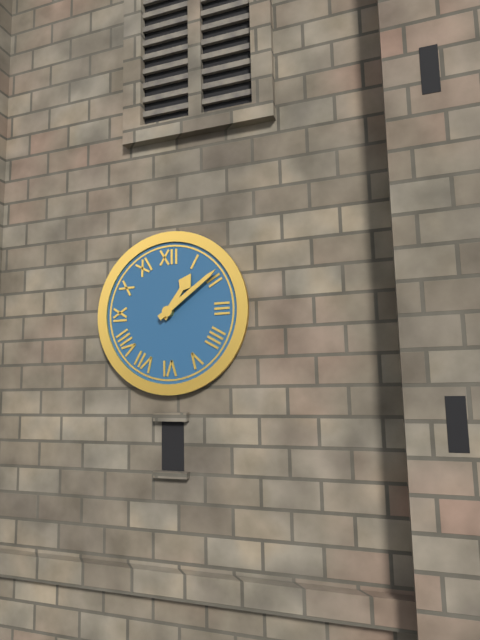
1:09
